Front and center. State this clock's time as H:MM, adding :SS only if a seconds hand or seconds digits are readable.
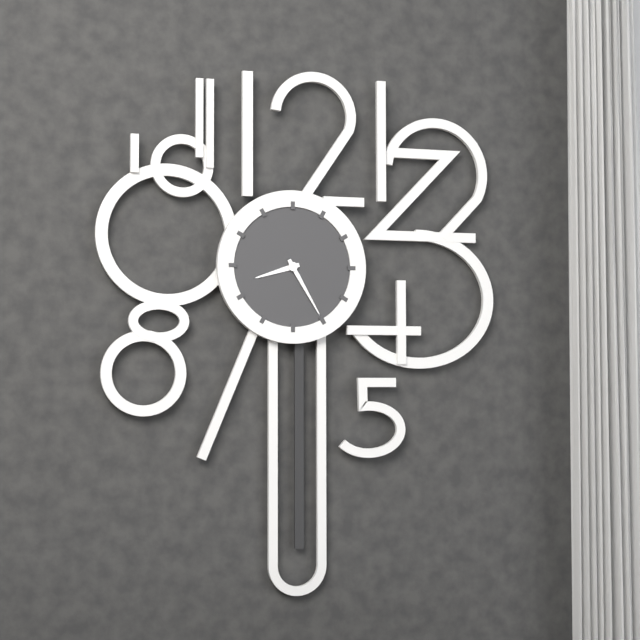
8:25
